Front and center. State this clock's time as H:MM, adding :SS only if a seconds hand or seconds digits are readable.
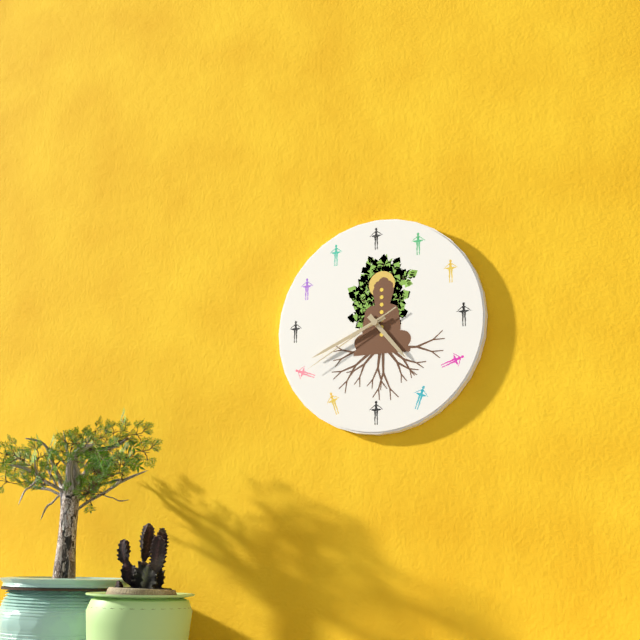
4:41:40
